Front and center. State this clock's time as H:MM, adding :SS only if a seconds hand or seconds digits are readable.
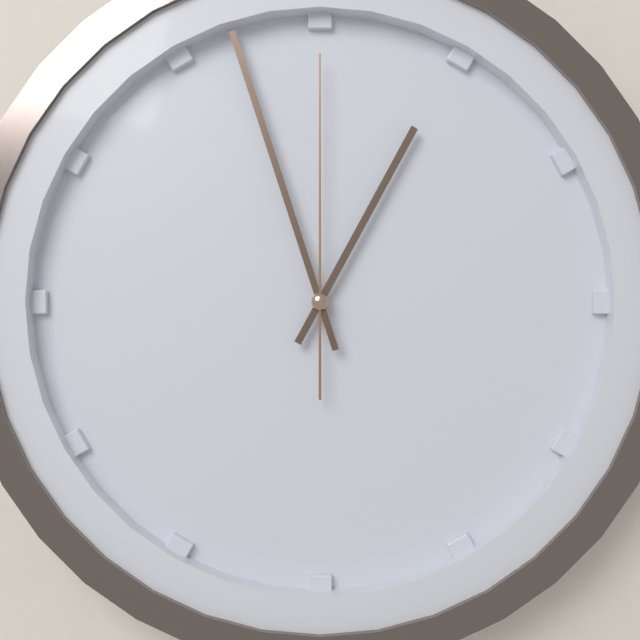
12:57:00
